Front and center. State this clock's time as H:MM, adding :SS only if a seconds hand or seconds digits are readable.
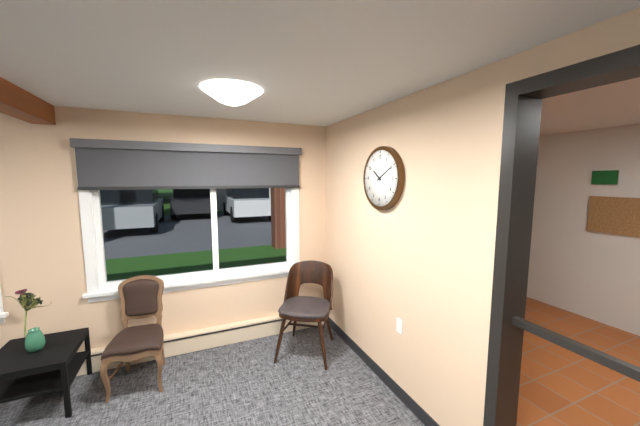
10:10
